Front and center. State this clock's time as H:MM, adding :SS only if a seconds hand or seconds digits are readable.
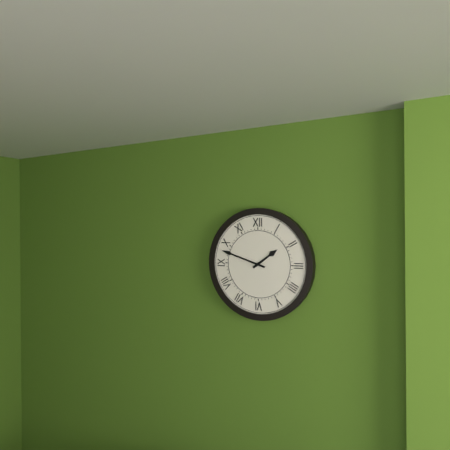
1:48
